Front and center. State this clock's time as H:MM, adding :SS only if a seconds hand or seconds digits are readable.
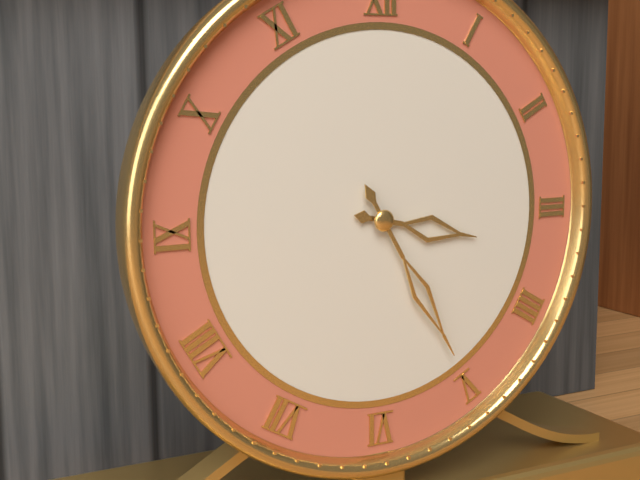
3:25
